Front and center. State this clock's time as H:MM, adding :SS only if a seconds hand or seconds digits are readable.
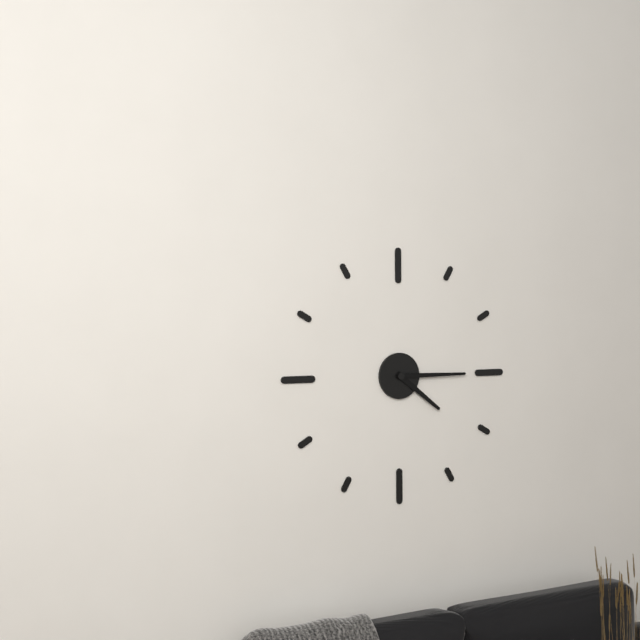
4:15
